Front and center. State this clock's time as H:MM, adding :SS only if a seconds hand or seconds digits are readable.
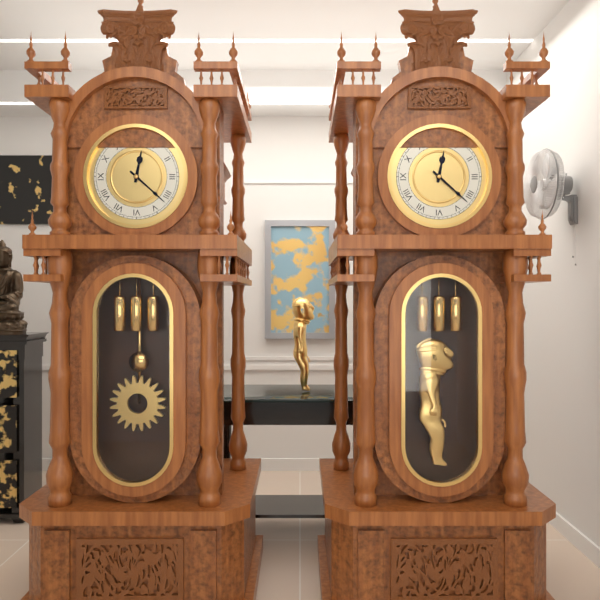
12:22
